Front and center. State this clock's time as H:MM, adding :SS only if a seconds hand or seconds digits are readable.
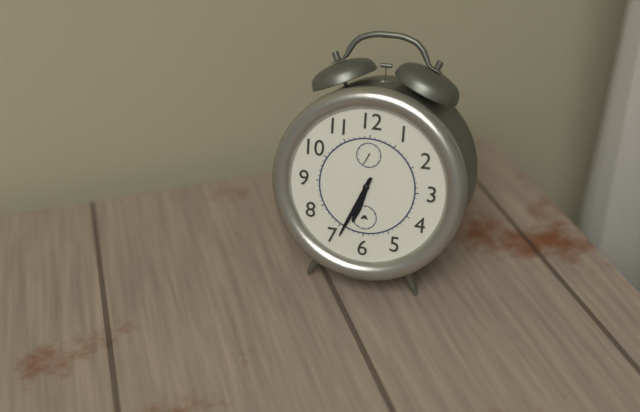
6:34
